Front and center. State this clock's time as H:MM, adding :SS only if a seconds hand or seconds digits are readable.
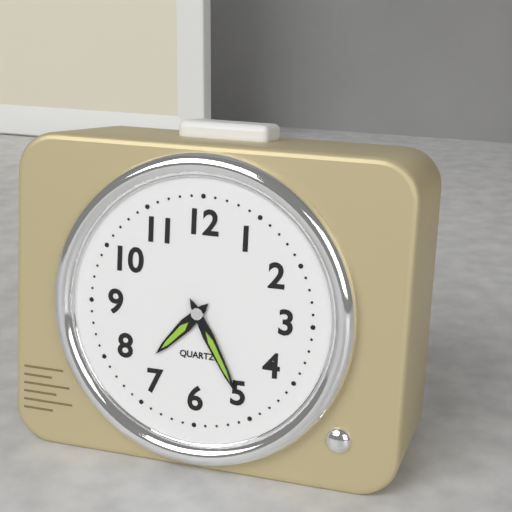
7:25
